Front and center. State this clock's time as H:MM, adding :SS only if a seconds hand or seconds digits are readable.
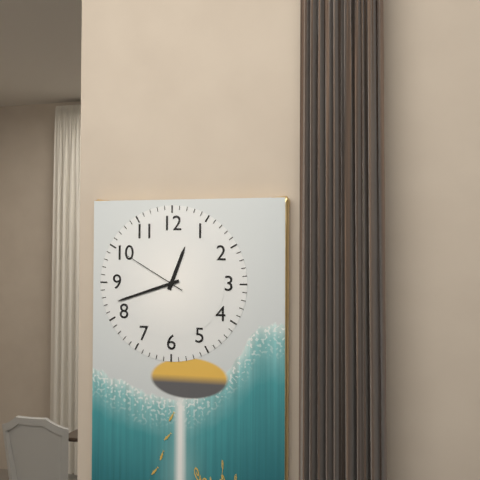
12:42:50
